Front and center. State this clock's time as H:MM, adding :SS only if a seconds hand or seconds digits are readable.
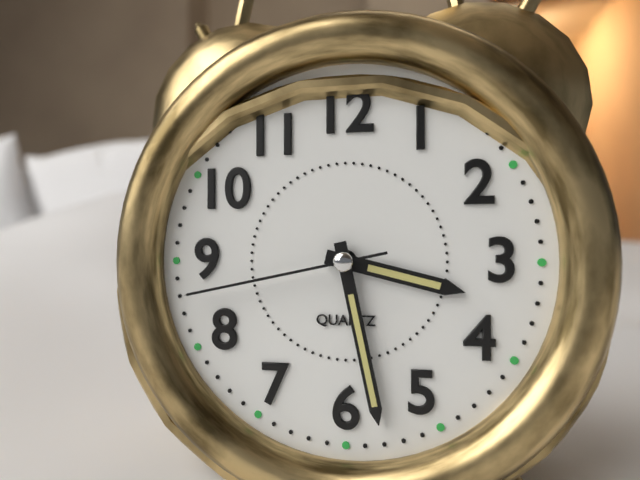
3:28:43
